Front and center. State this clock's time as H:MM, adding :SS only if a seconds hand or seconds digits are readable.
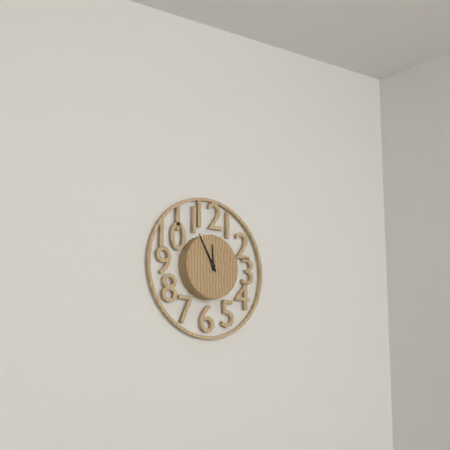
11:55
